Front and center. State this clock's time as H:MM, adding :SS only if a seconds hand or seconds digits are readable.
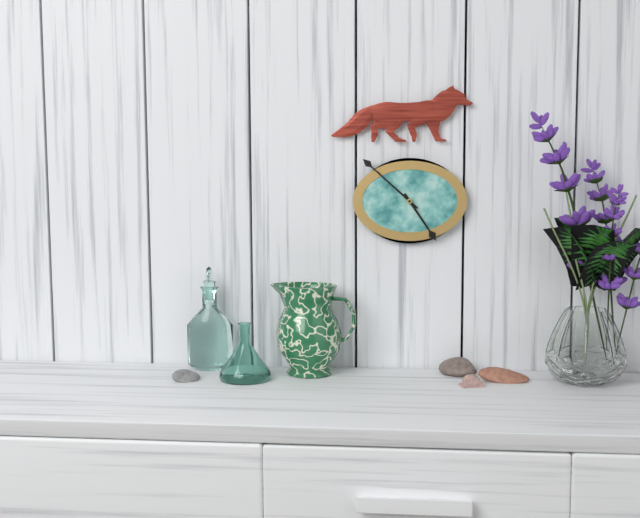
4:52
